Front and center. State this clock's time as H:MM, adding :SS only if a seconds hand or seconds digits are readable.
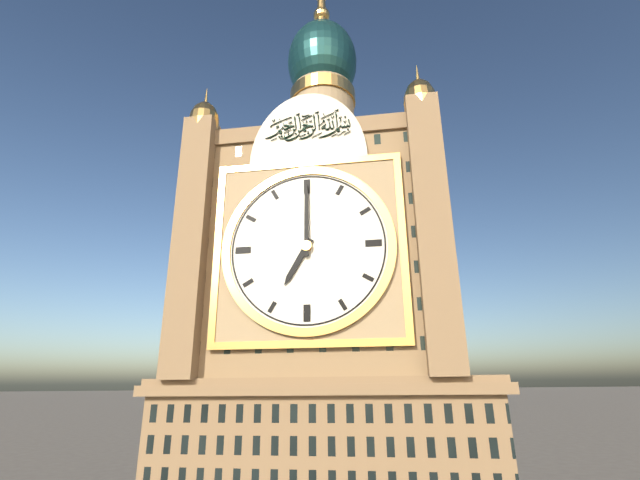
7:00
